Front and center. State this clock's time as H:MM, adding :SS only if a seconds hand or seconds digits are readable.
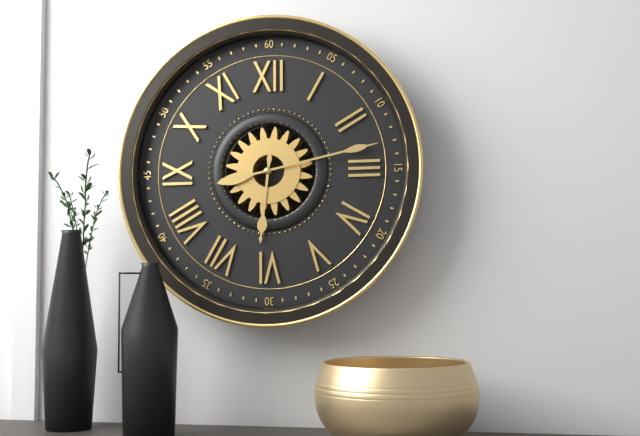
6:13
